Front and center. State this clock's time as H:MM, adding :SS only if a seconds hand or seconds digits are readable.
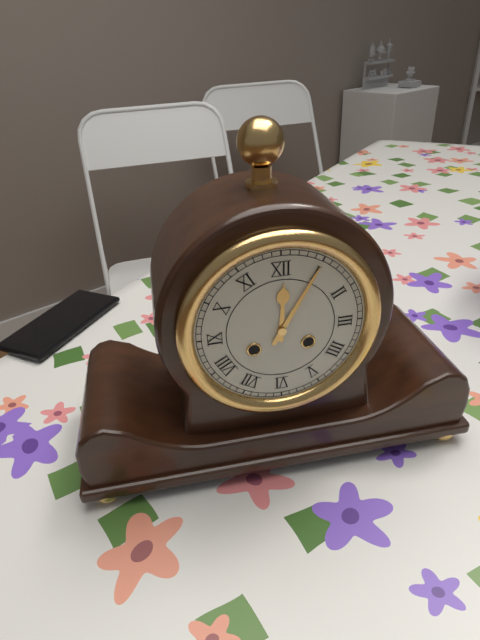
12:05
